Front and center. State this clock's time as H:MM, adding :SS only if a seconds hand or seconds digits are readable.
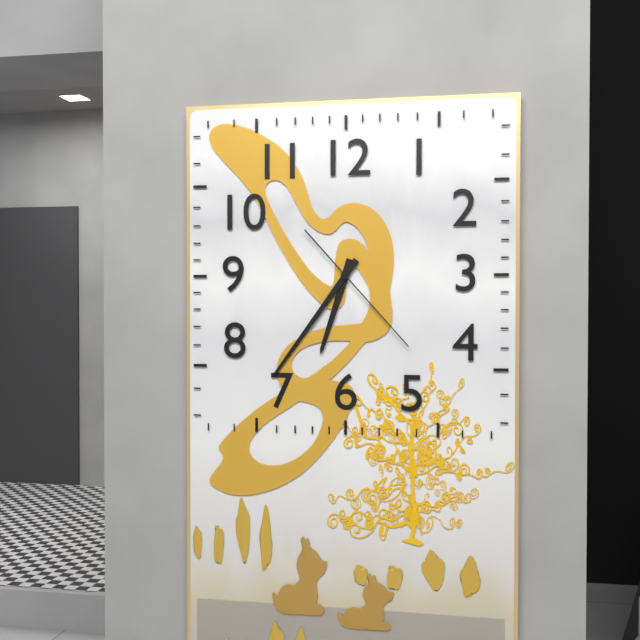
6:36:23
